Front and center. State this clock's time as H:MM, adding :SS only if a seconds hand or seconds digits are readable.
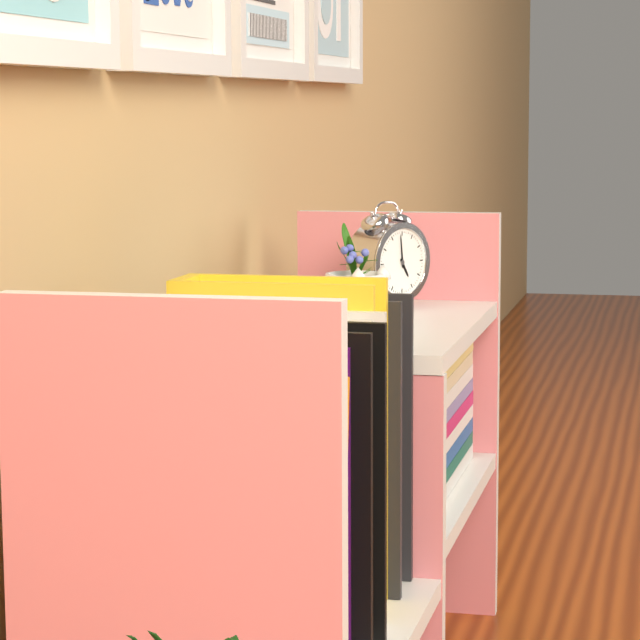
4:59
